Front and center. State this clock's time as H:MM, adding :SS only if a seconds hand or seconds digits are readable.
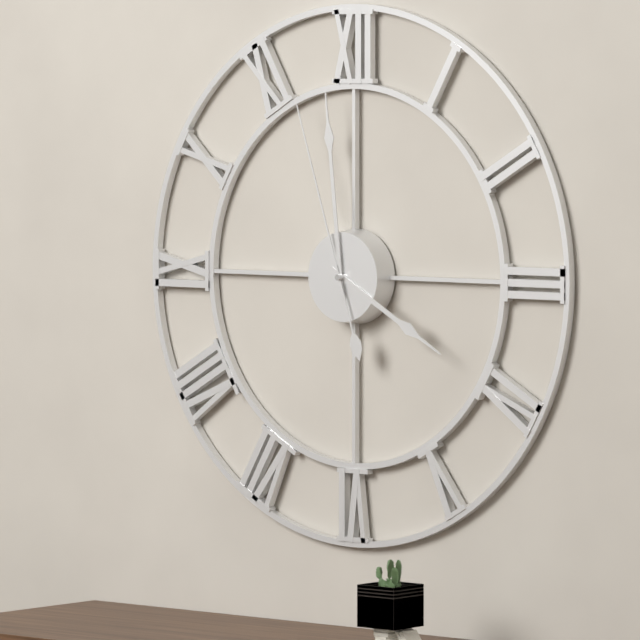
3:59:57
